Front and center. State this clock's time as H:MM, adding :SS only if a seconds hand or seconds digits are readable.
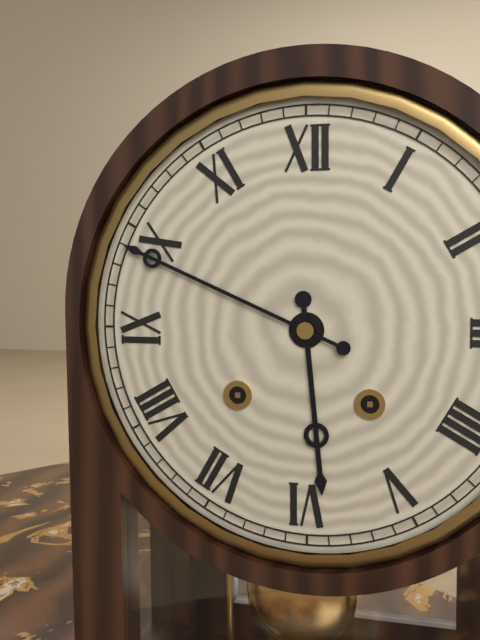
5:49
